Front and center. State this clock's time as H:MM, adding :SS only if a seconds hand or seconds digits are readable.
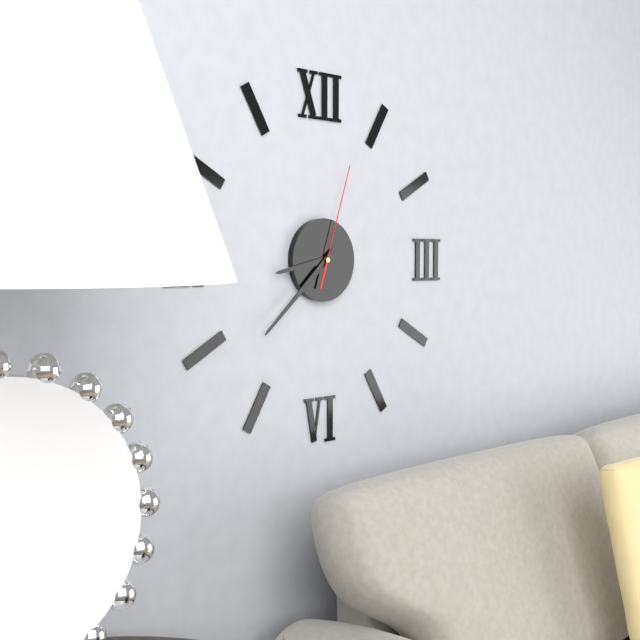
8:38:03
